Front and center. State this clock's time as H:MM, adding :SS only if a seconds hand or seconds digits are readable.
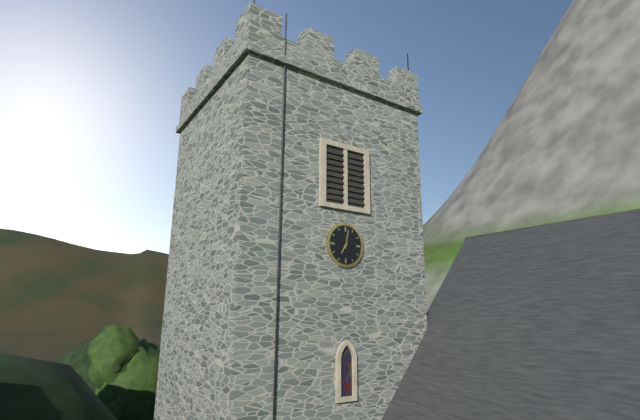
7:02
